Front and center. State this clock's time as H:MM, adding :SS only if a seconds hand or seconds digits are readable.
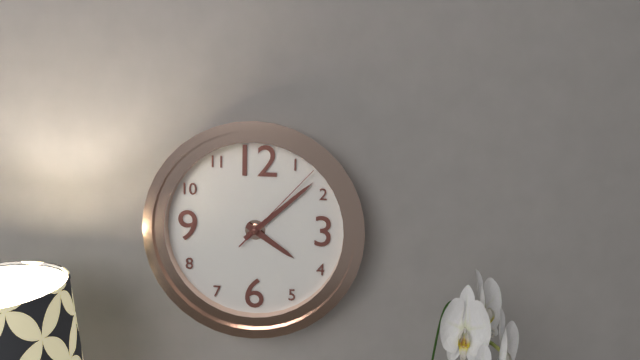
4:08:07
